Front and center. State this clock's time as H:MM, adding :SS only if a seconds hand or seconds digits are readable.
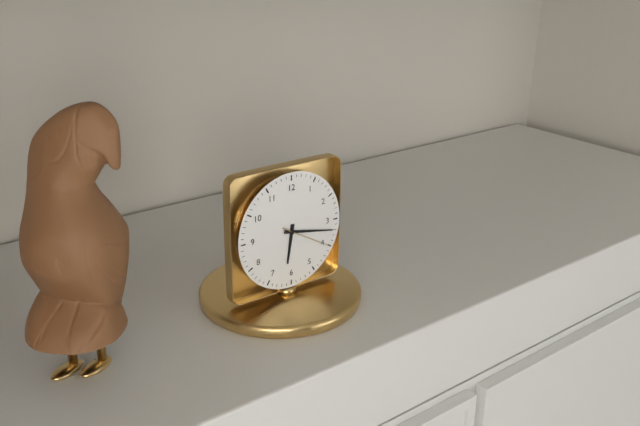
6:17
